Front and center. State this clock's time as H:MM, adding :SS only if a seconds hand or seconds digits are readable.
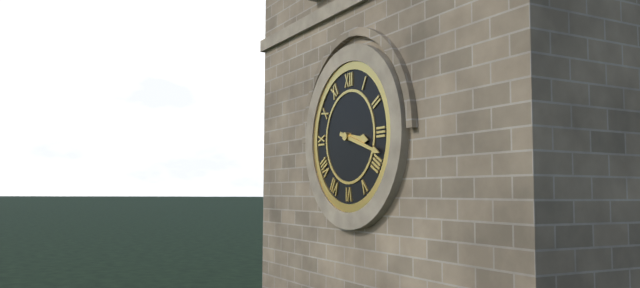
3:18
